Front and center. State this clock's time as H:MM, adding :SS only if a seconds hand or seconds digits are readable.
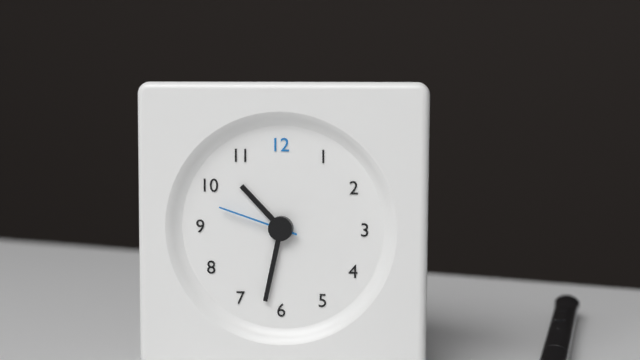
10:32:48
